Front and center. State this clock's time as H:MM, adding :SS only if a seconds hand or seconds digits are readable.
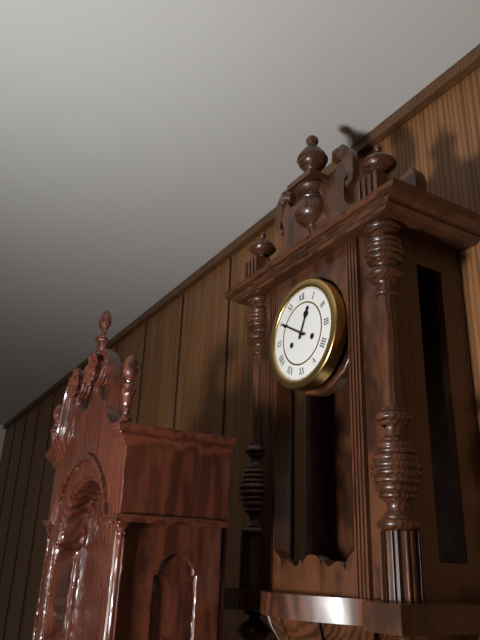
12:50
